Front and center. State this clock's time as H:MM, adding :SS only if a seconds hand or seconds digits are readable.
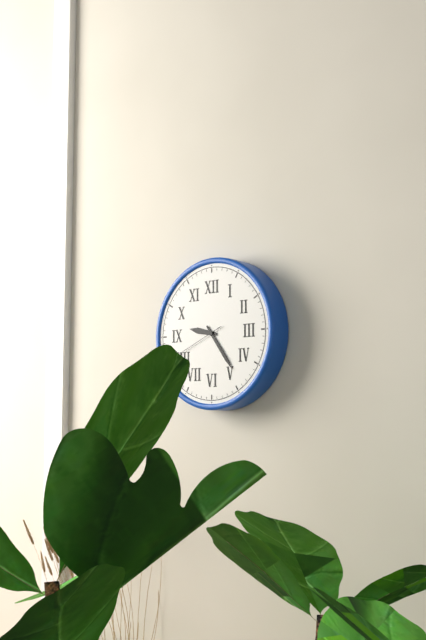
9:24:41
